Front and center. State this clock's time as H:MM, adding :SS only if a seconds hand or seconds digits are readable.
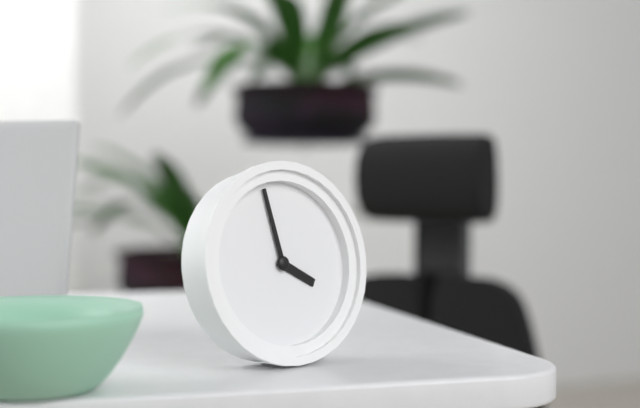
3:58
